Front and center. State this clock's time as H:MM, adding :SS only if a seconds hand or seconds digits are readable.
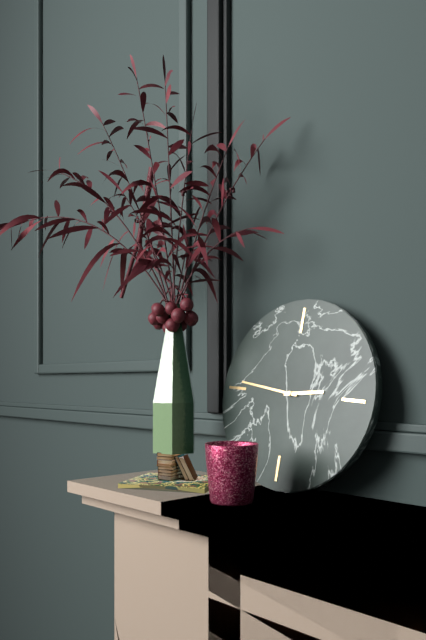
2:46
